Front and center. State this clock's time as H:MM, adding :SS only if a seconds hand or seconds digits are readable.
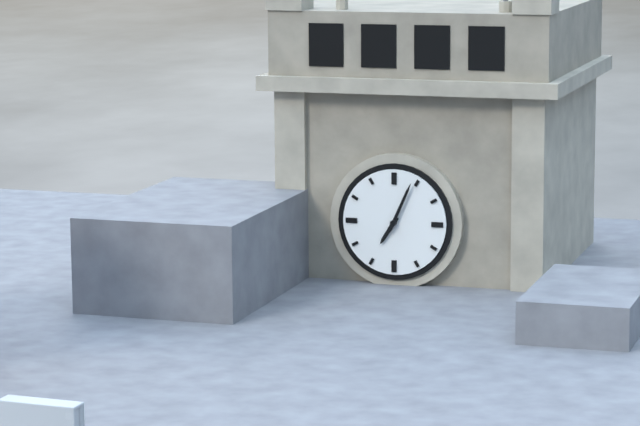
7:04
